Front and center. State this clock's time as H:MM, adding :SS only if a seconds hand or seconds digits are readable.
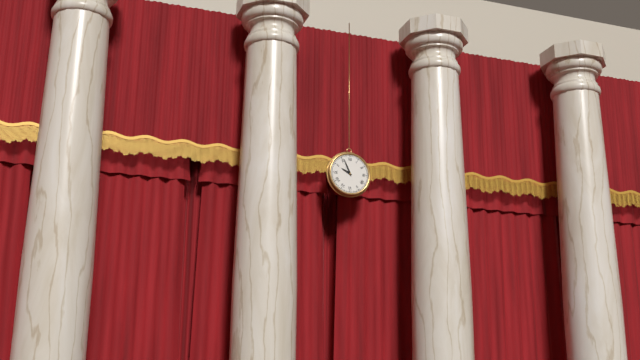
9:56
